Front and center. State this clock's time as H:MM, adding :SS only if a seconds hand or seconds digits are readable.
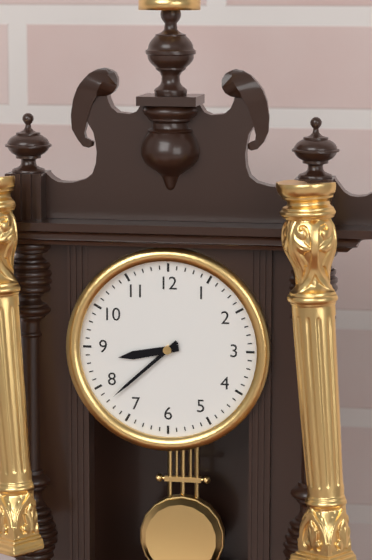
8:38
